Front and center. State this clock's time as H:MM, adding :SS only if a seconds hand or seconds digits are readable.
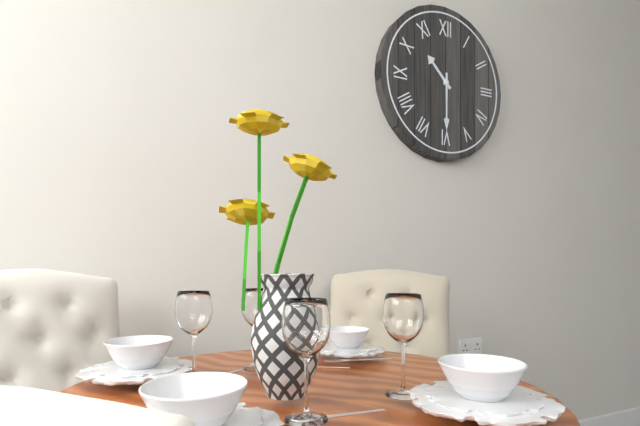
10:30
